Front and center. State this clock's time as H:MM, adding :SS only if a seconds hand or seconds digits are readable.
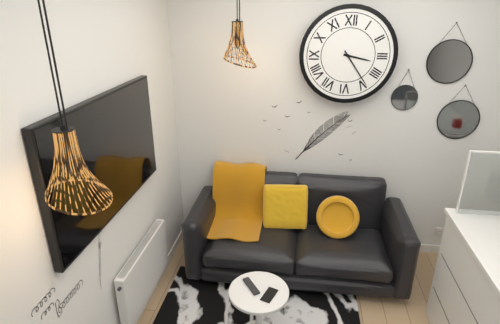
3:24
